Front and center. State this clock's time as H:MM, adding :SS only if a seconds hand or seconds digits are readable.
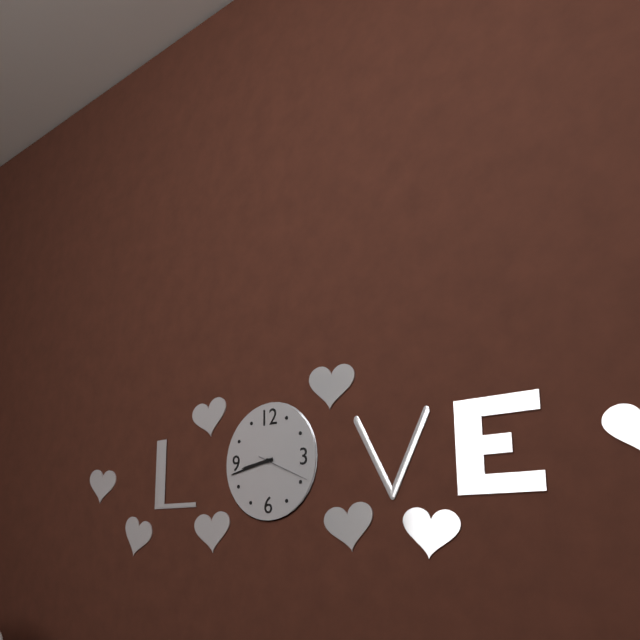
8:43:19
